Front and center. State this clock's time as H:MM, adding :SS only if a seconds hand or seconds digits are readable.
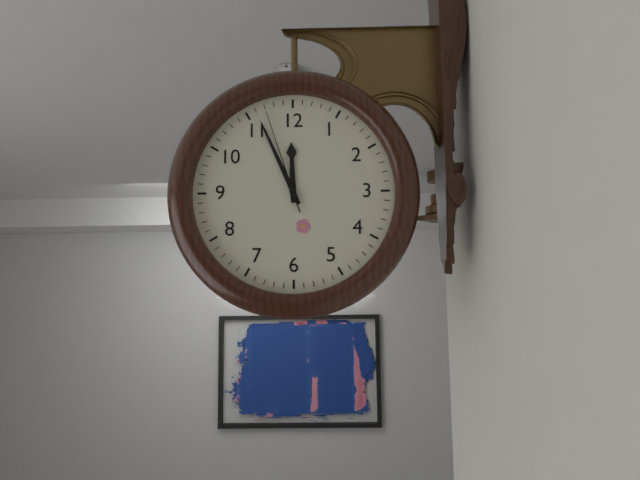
11:56:57
